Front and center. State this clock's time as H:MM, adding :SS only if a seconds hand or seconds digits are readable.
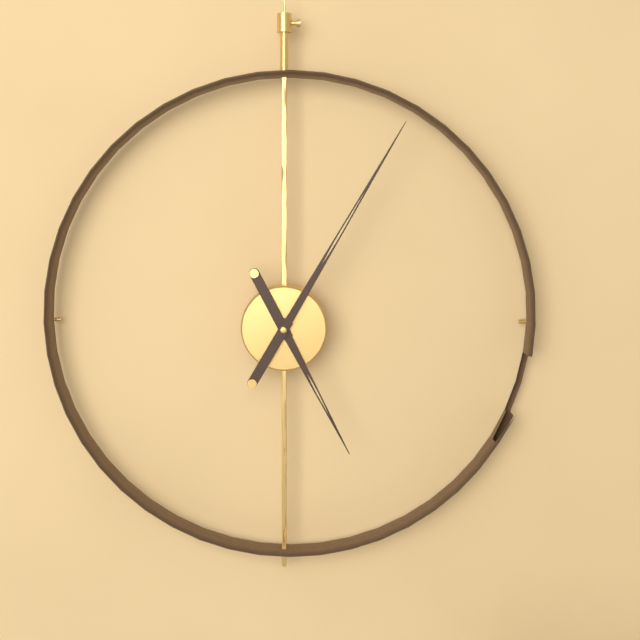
5:05
